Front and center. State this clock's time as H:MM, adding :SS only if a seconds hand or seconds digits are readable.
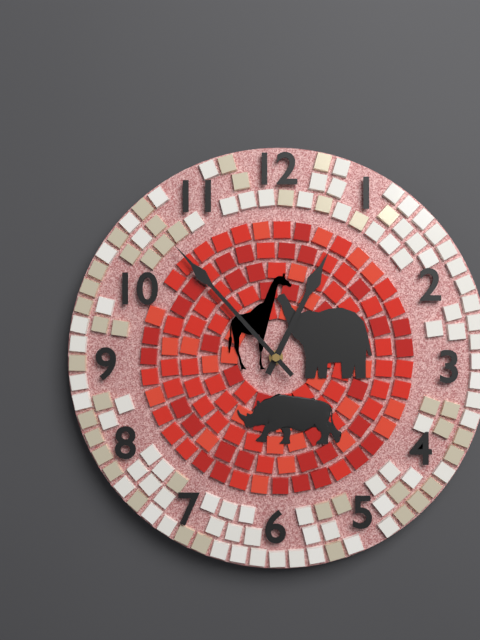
12:53
